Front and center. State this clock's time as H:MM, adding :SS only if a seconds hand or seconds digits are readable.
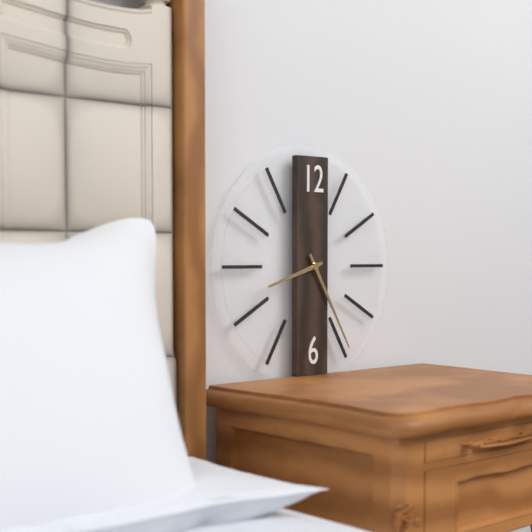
8:25
